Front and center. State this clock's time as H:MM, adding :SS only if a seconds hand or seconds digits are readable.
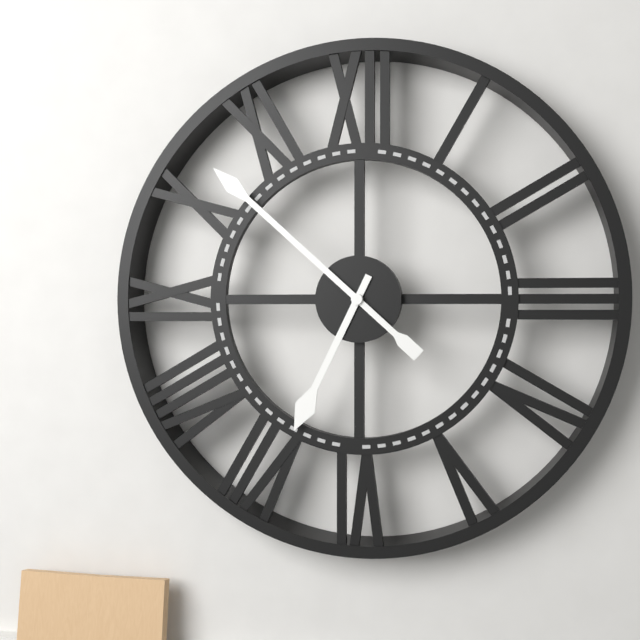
6:52
